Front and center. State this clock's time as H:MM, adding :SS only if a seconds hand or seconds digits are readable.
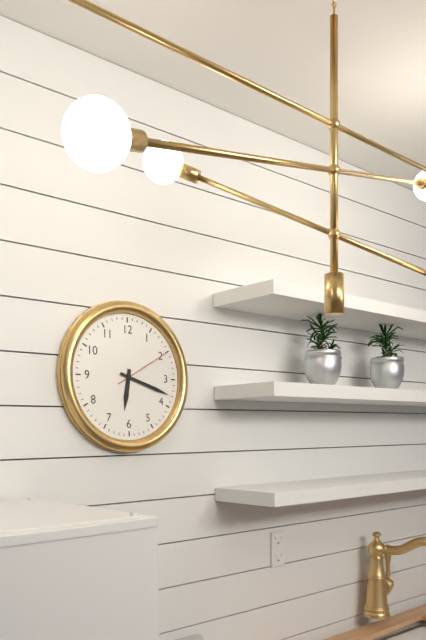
6:18:10
